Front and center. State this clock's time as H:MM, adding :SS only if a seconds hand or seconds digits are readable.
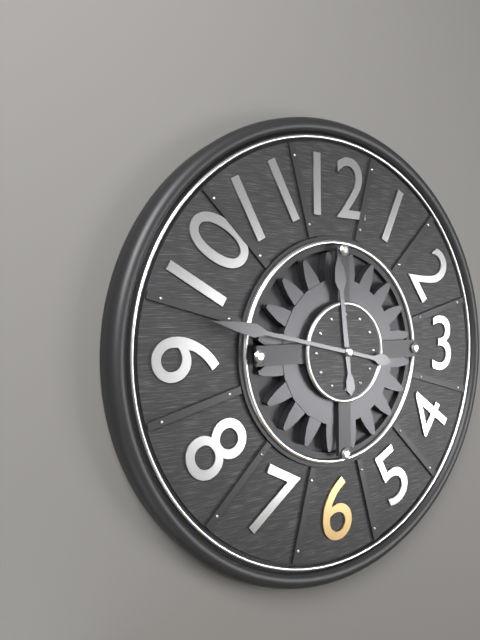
11:47
